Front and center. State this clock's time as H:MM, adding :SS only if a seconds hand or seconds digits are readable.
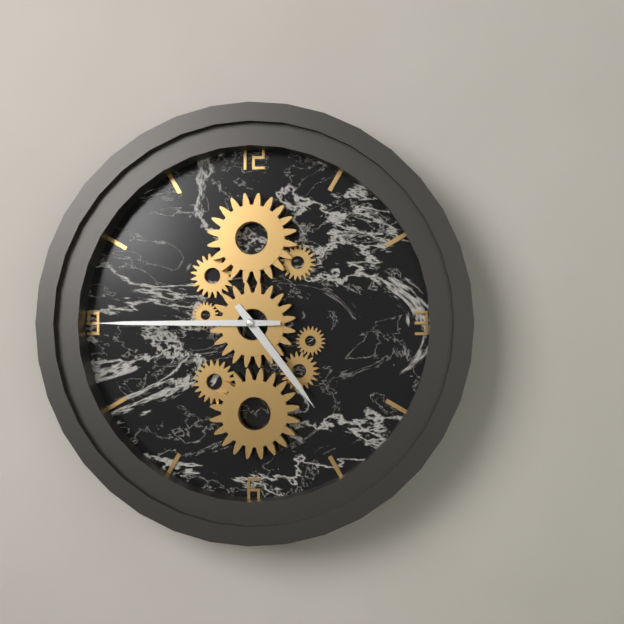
4:45
